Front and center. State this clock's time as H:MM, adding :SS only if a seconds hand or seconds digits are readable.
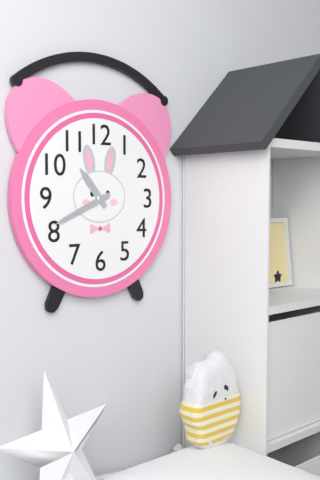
10:41
